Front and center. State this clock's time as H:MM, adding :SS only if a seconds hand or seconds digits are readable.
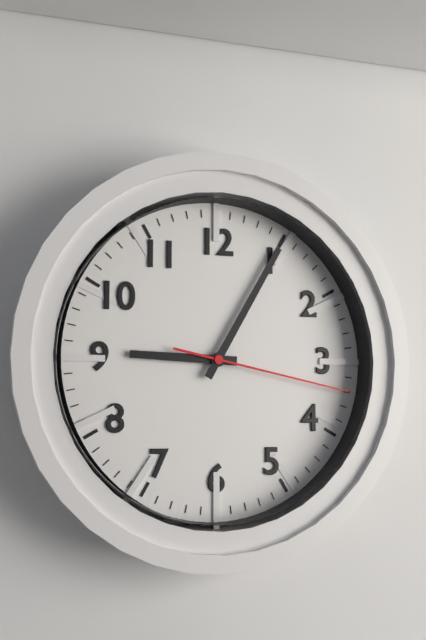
9:05:17
